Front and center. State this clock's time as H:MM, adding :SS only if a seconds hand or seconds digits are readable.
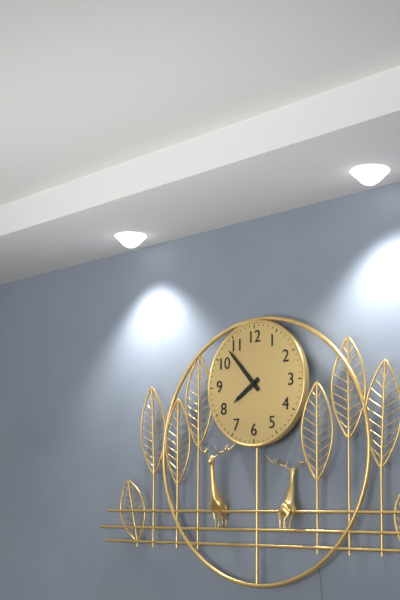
7:53
